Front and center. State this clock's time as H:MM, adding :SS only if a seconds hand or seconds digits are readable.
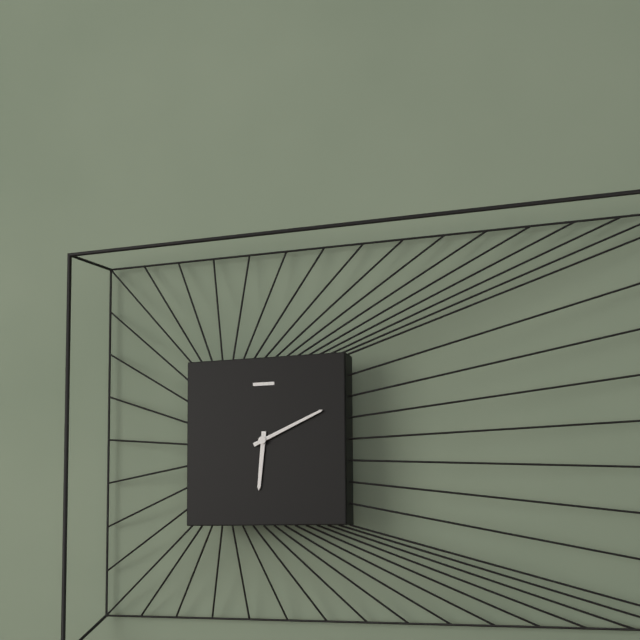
6:11
